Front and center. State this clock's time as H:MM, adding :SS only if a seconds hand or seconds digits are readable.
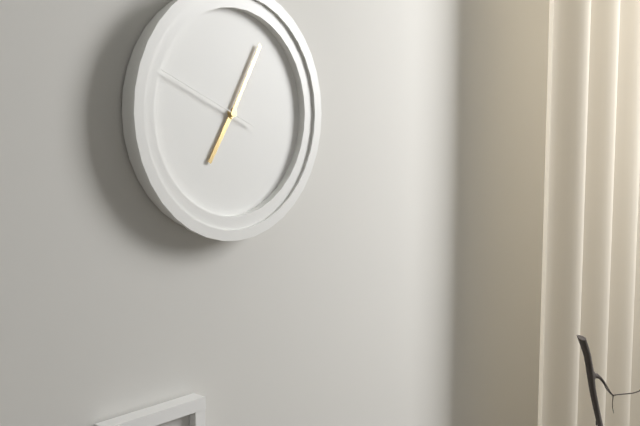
7:05:49
